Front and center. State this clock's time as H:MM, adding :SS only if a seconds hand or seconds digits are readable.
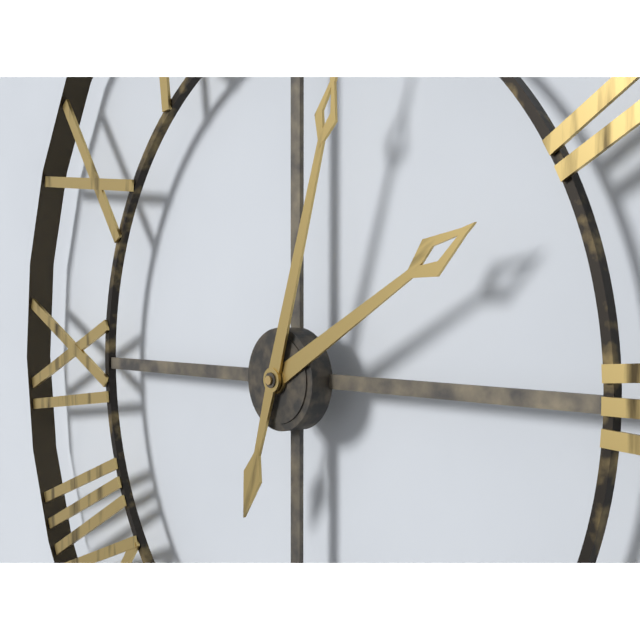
2:03
